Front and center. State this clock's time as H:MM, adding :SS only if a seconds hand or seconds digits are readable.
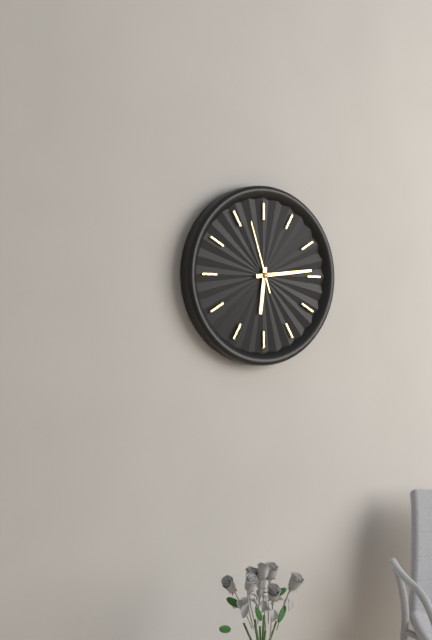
6:14:57
